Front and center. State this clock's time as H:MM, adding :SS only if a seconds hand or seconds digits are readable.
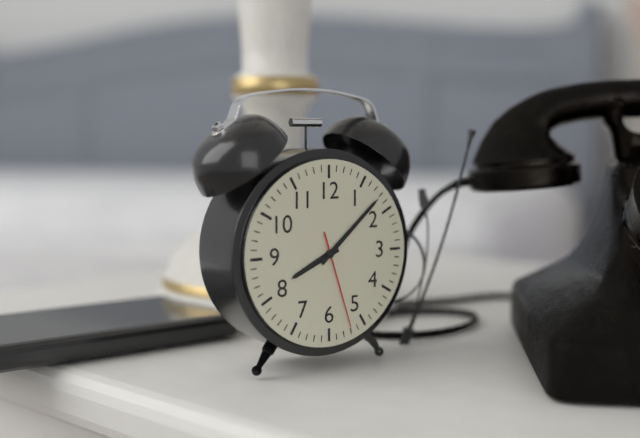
8:08:27
